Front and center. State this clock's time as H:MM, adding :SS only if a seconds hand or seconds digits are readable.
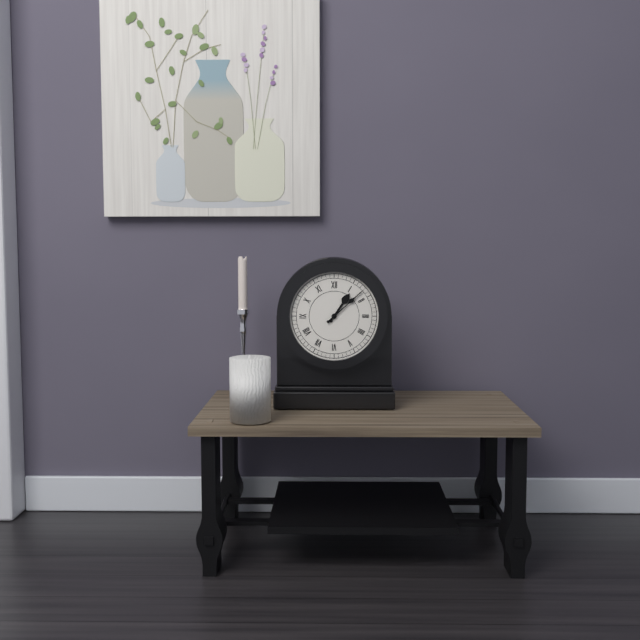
1:08
